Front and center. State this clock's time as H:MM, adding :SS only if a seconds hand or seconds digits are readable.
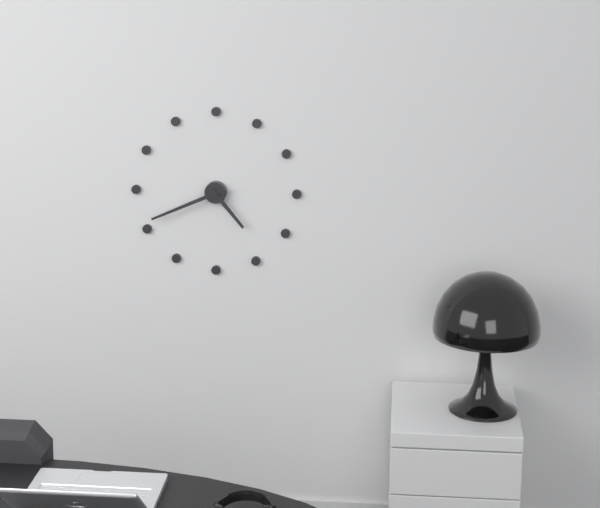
4:41
